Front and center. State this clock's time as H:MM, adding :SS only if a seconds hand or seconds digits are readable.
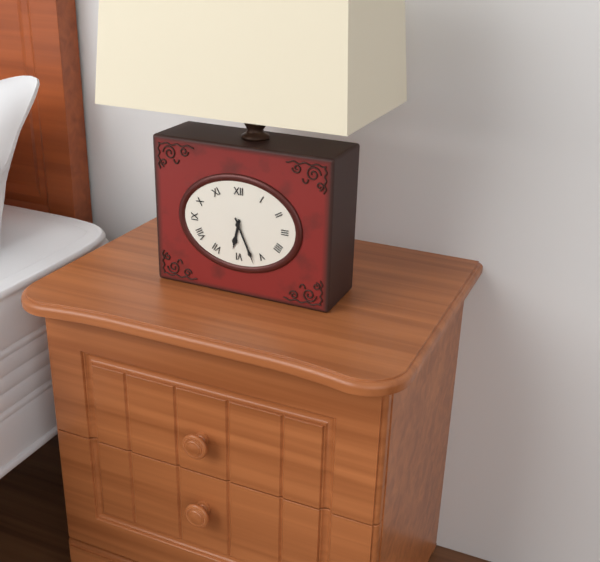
6:26
